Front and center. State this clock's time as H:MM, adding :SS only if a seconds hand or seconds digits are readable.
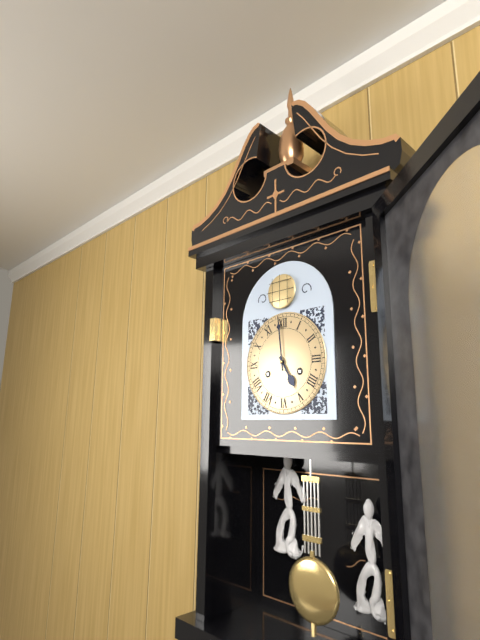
4:59
